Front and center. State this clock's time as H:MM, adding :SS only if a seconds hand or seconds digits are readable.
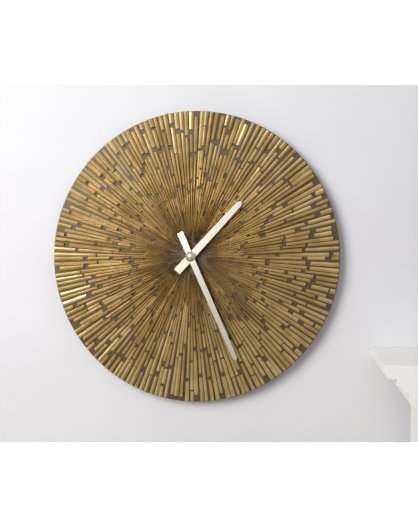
1:26
